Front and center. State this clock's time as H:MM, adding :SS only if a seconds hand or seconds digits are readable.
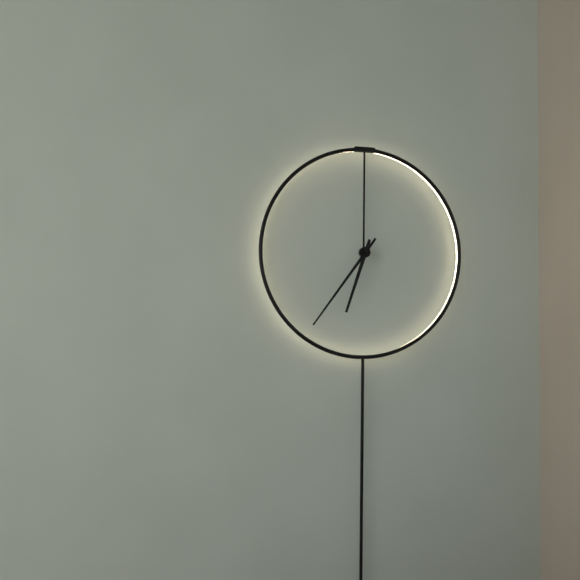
6:36
